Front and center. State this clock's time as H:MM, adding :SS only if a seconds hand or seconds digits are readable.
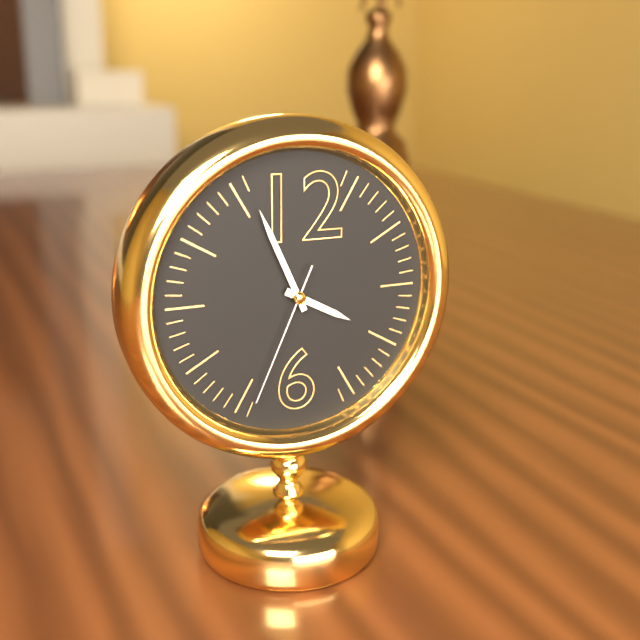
3:56:34
